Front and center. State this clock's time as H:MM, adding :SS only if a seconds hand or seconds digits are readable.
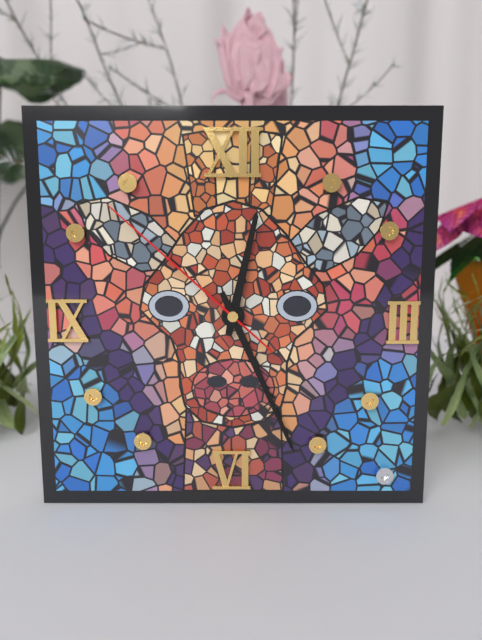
12:26:52
